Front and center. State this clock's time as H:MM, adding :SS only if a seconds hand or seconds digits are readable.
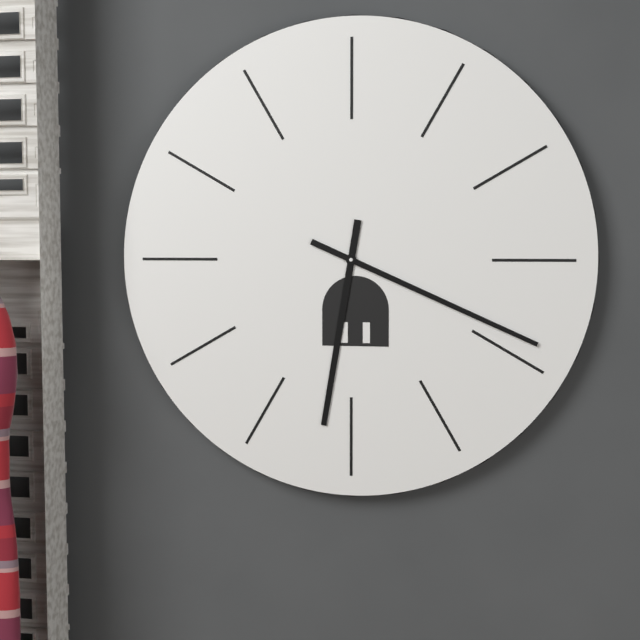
6:19
